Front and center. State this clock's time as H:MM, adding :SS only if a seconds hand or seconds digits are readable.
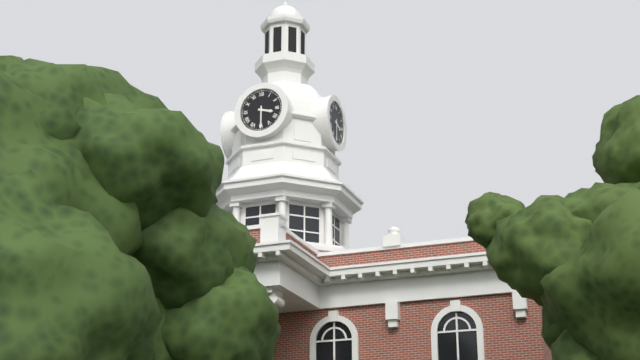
3:30
